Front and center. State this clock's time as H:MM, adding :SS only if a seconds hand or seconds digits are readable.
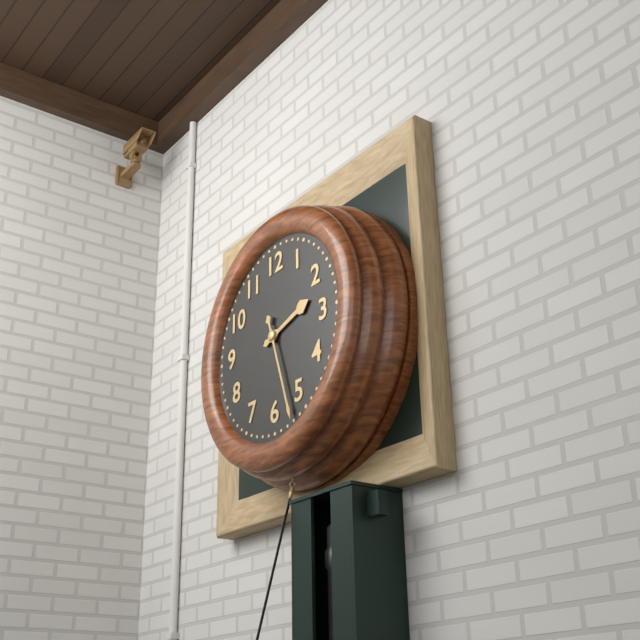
2:27
